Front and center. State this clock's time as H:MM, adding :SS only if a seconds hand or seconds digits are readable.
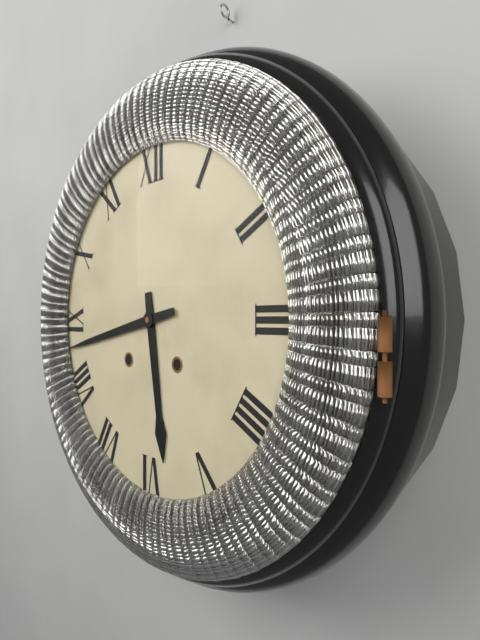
5:43
